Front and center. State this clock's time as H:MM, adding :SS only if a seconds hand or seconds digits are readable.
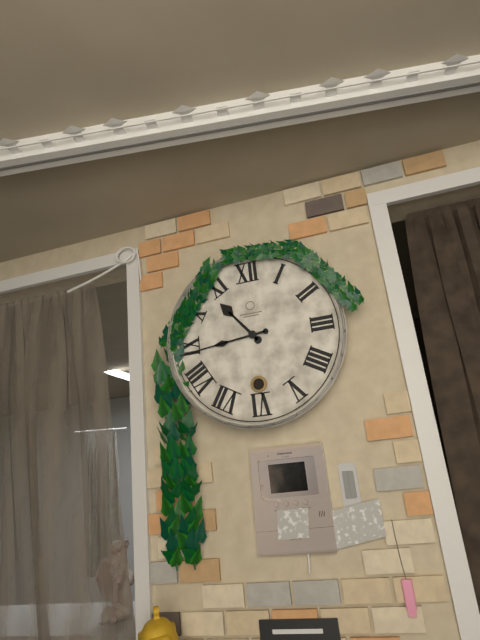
10:44
